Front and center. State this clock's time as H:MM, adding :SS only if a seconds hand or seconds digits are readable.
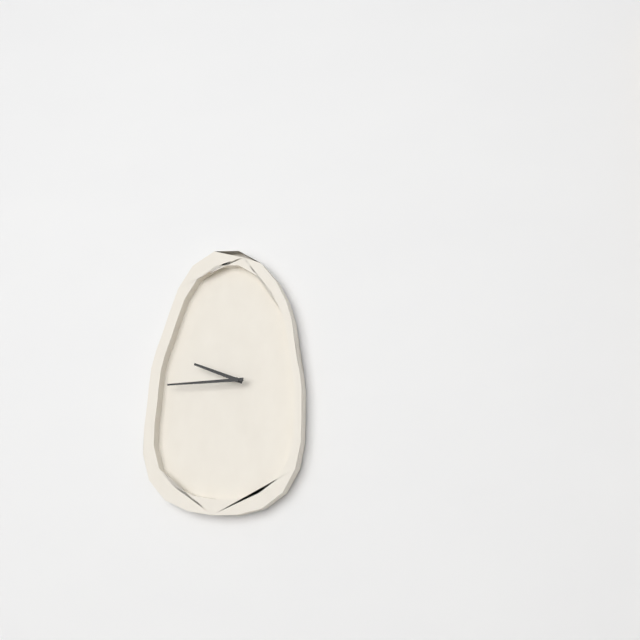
9:45
